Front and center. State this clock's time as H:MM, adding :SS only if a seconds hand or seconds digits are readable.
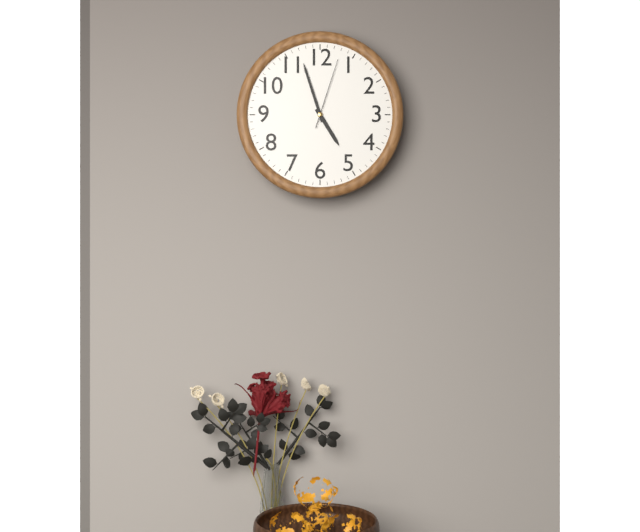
4:57:03
